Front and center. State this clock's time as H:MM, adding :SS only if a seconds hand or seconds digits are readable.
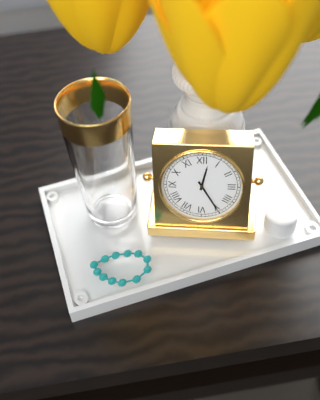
12:25
